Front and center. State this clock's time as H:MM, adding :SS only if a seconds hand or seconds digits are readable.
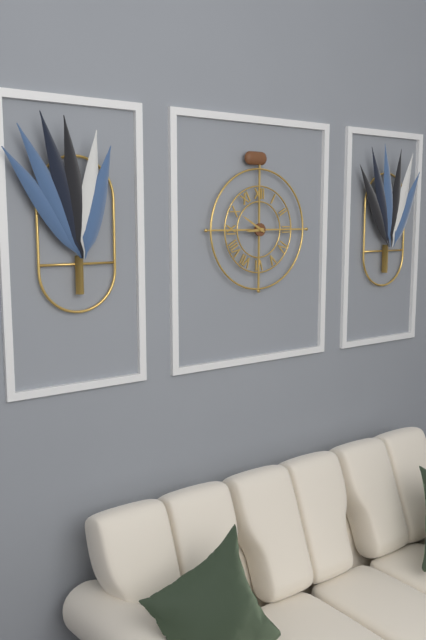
8:50
